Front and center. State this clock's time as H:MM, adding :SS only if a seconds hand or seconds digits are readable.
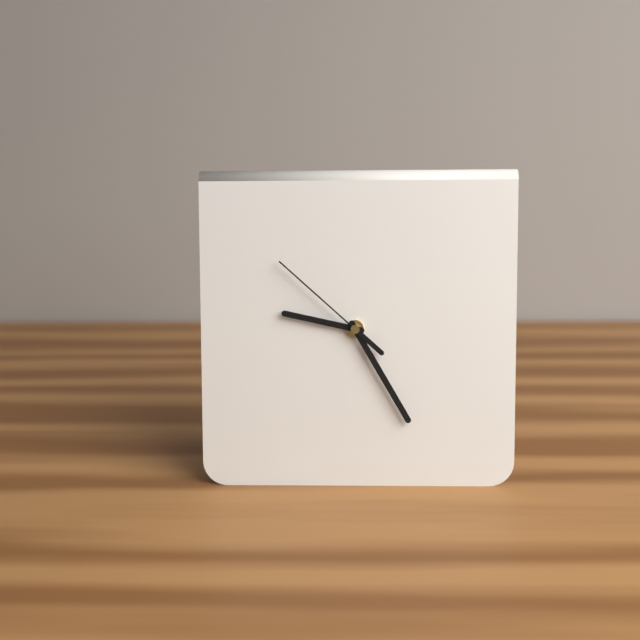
9:25:52
